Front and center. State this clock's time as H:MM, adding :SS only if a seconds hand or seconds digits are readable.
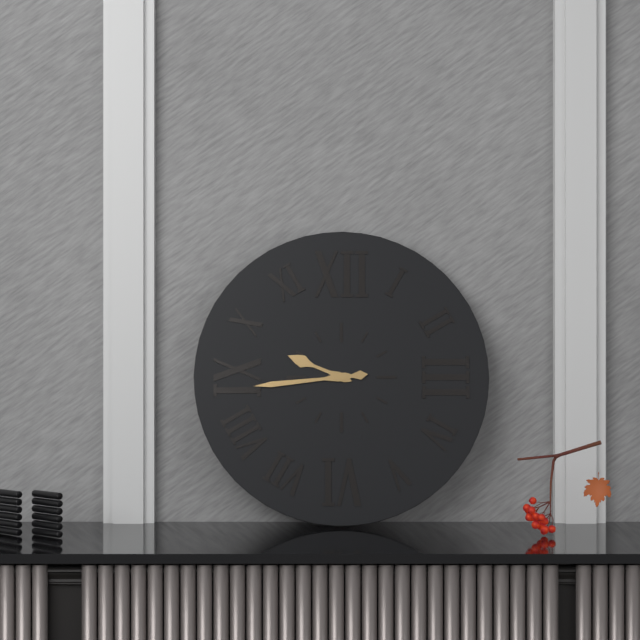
9:44
